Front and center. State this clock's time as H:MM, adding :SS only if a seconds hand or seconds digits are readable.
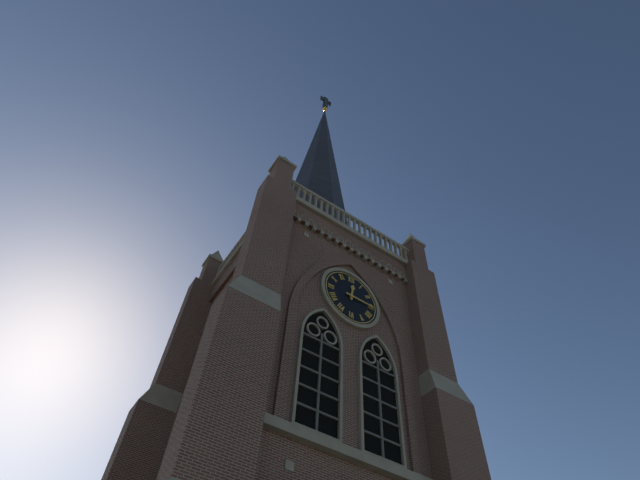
12:15
